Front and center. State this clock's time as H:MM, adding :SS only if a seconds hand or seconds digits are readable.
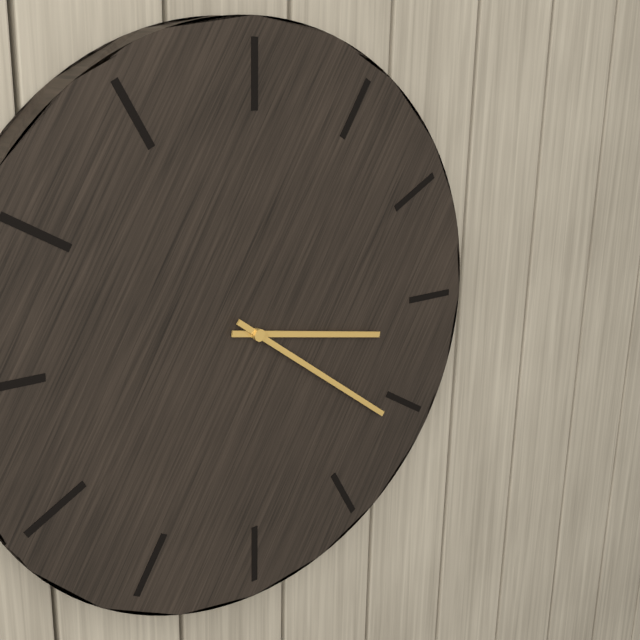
3:21
